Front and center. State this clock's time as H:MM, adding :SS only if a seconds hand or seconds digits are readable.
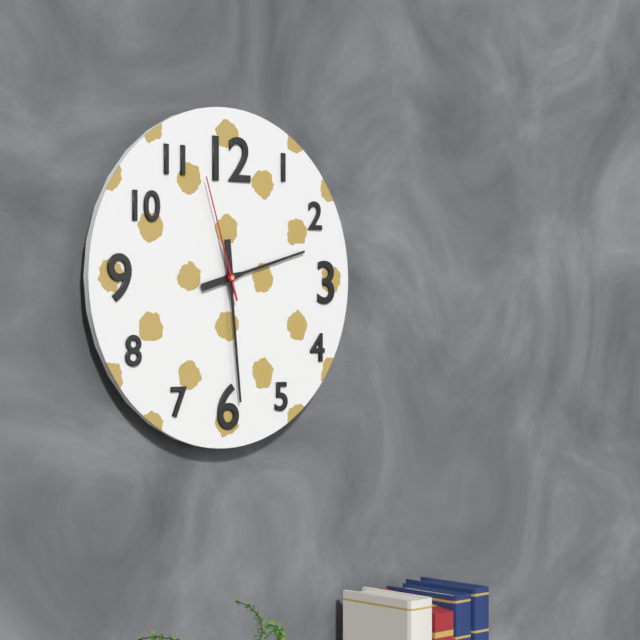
2:29:57
